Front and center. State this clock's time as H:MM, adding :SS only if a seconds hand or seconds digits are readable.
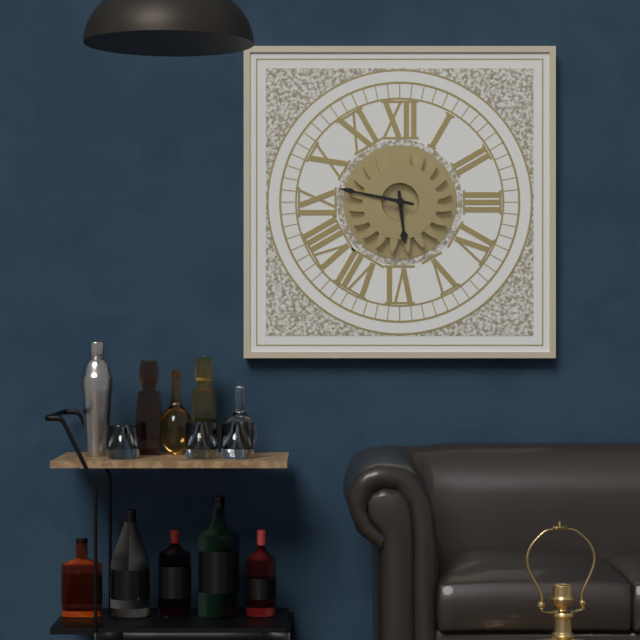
5:47
